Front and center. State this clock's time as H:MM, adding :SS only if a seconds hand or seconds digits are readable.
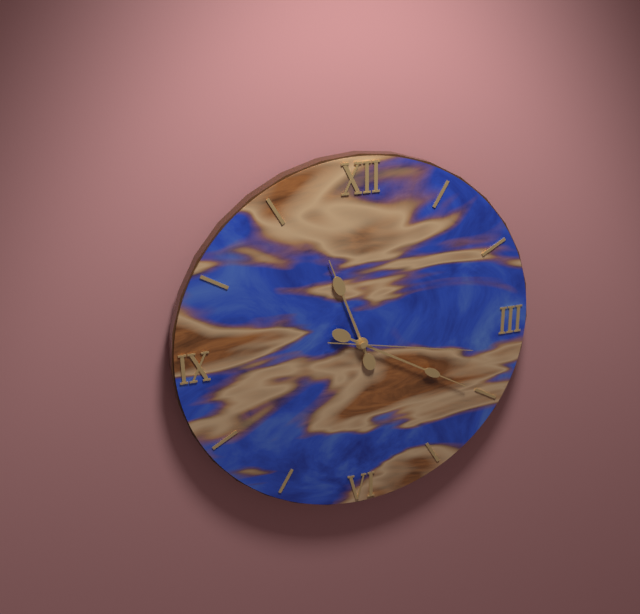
11:20:17
